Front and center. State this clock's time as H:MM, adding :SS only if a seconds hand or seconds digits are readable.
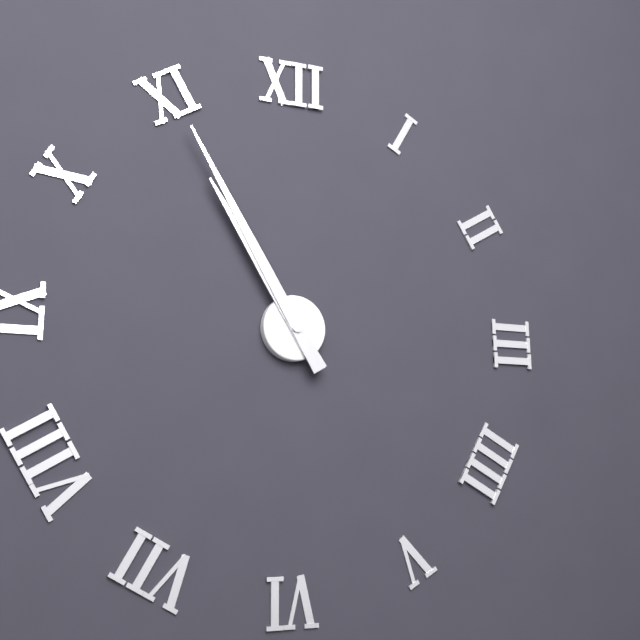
10:55
